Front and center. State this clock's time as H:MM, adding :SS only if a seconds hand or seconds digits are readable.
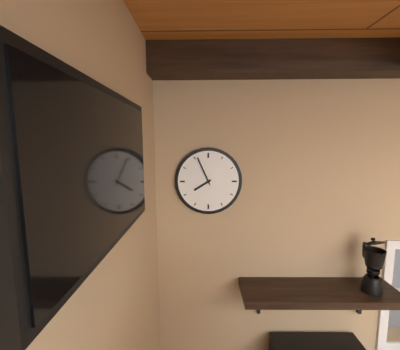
7:56
